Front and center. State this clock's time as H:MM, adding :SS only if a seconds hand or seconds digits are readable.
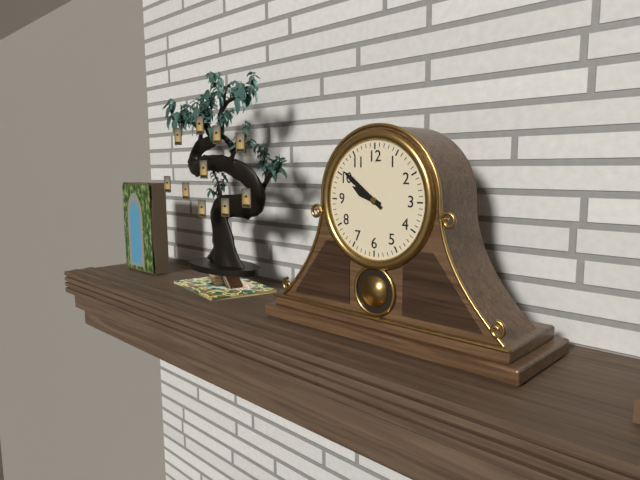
9:51
